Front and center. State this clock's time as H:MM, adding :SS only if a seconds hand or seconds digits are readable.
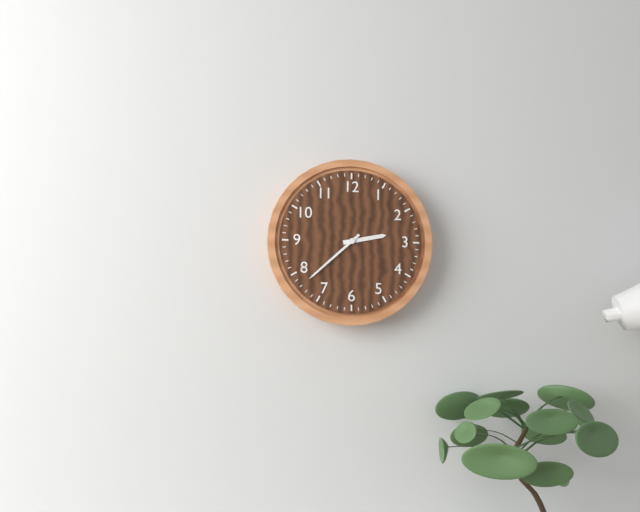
2:38
